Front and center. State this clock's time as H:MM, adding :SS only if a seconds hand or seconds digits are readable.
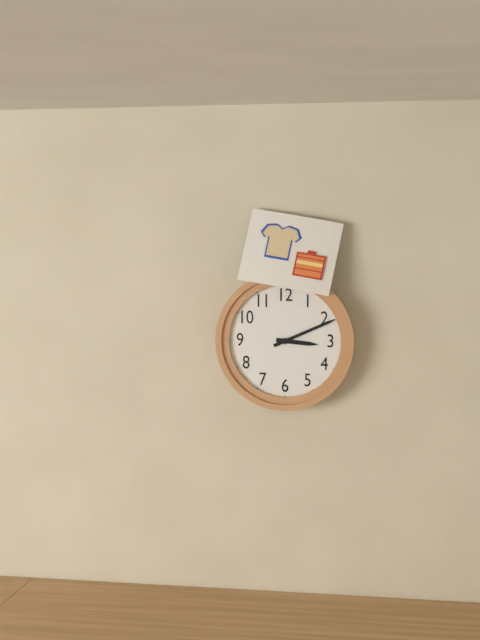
3:11
